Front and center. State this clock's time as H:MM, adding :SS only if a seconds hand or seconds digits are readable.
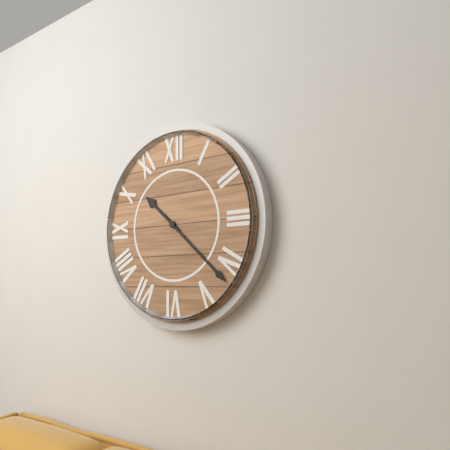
10:22
